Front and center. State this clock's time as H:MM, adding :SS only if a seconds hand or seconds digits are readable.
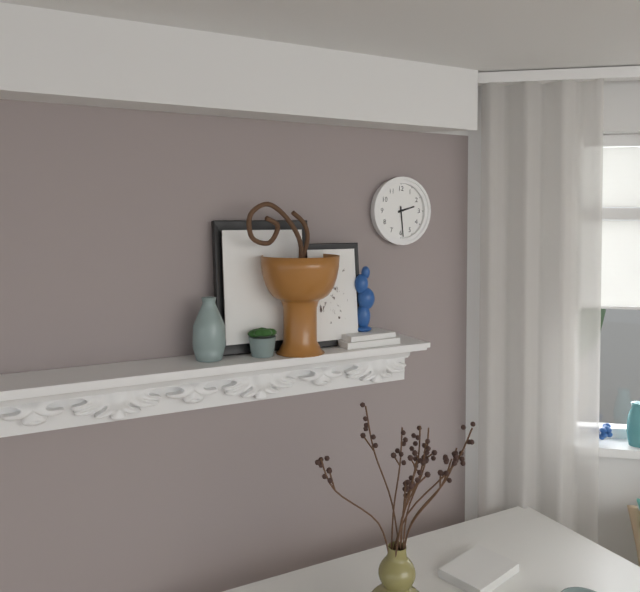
2:29
